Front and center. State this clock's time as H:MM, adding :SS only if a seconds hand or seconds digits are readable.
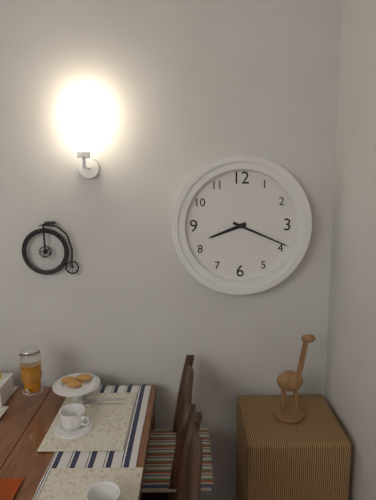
8:19
